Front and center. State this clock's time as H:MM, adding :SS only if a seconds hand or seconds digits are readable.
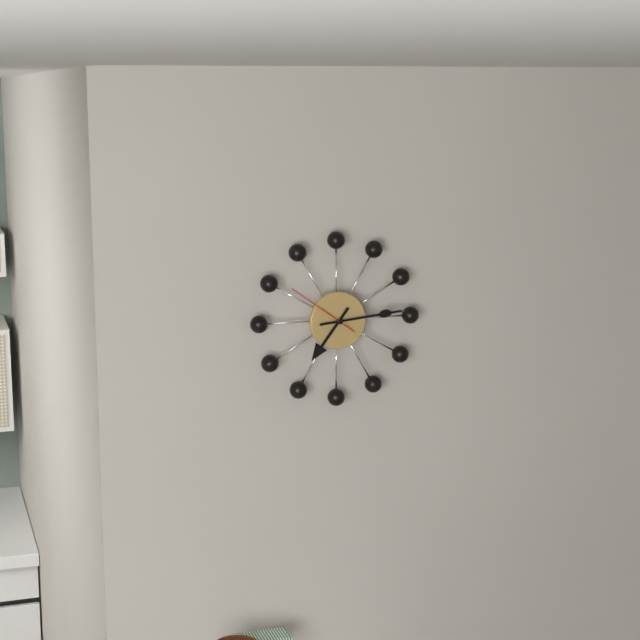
7:14:51
